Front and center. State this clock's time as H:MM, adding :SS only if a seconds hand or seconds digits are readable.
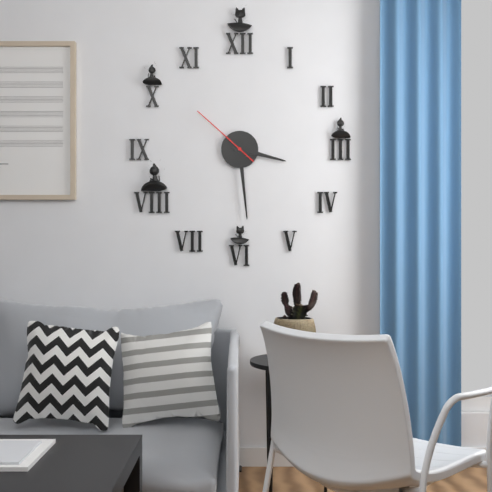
3:29:52
